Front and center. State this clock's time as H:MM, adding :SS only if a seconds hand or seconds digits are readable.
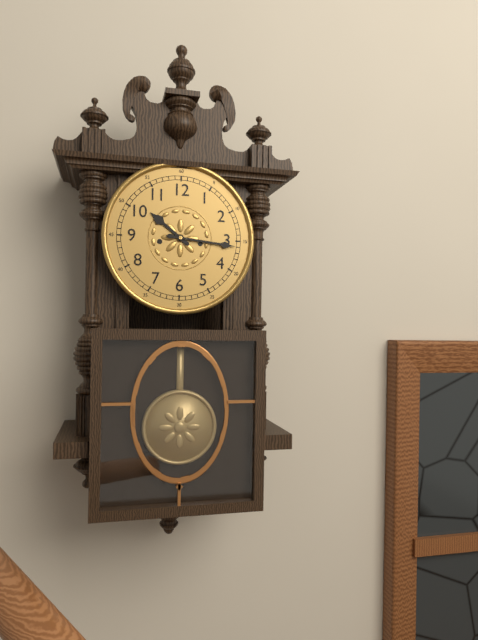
10:16
